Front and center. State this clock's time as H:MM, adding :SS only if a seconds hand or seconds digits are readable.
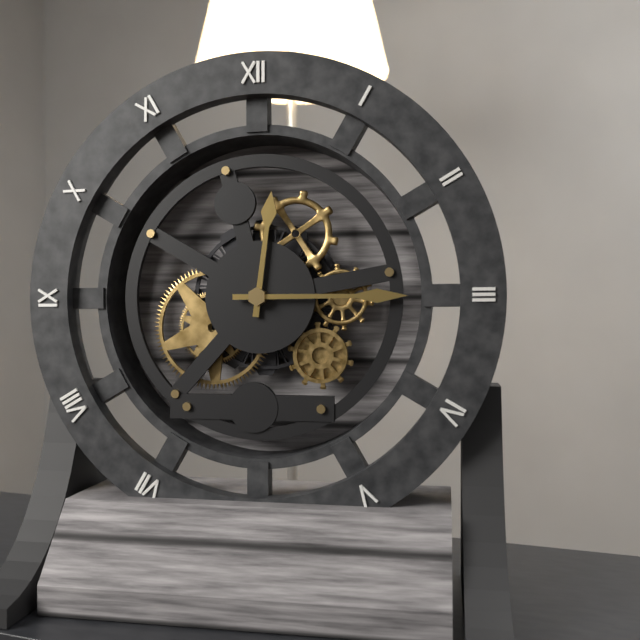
12:15
